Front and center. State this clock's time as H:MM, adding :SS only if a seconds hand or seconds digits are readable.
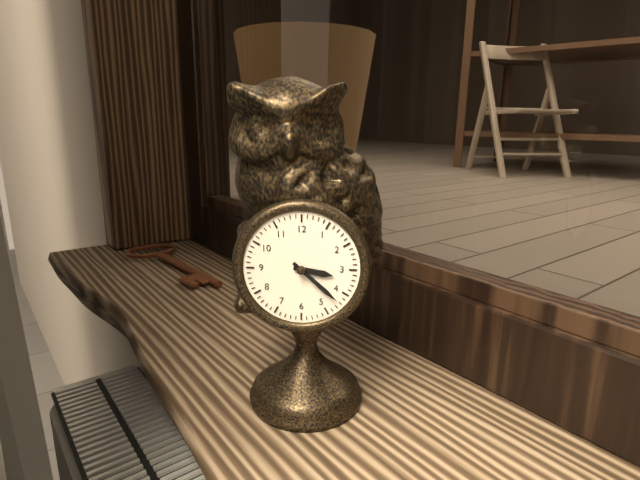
3:22
